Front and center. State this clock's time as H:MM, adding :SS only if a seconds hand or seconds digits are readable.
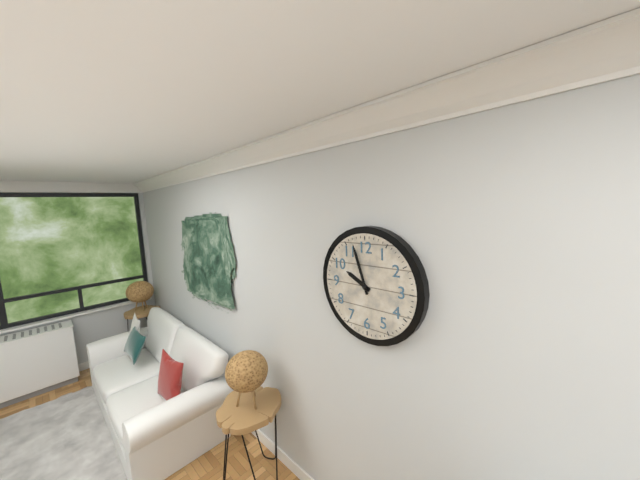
9:57
